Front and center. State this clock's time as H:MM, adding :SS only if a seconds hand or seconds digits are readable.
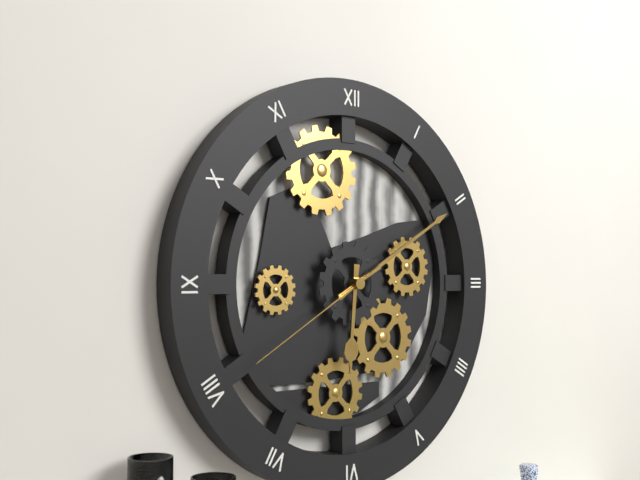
6:10:40
